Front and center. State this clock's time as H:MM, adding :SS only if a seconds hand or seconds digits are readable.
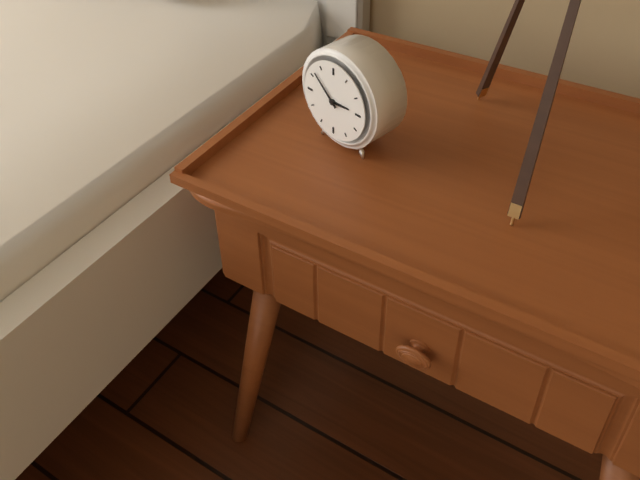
2:52
